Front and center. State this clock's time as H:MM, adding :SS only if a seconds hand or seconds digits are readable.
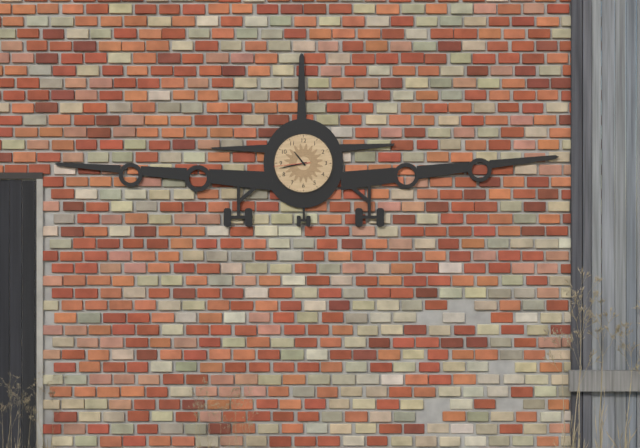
10:43
